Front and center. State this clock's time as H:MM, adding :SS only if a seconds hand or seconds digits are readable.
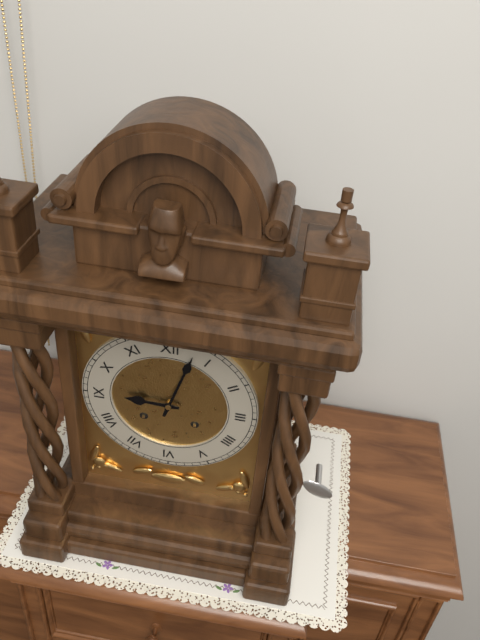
9:03
